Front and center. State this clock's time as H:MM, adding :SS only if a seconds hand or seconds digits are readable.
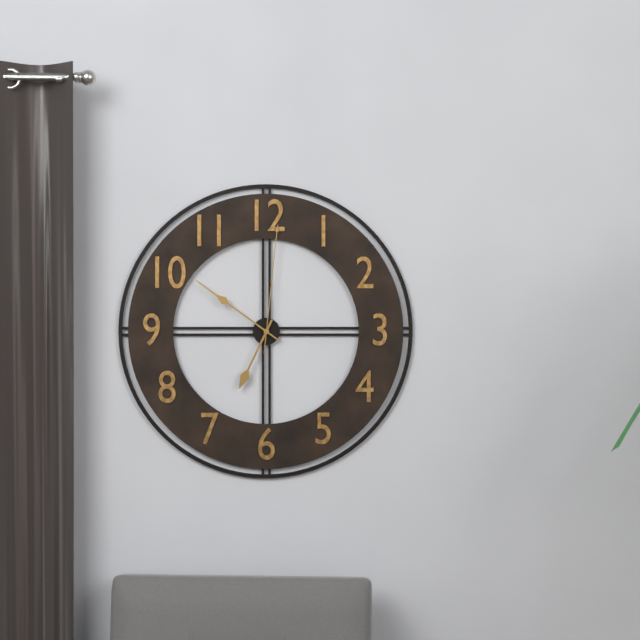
6:51:01
